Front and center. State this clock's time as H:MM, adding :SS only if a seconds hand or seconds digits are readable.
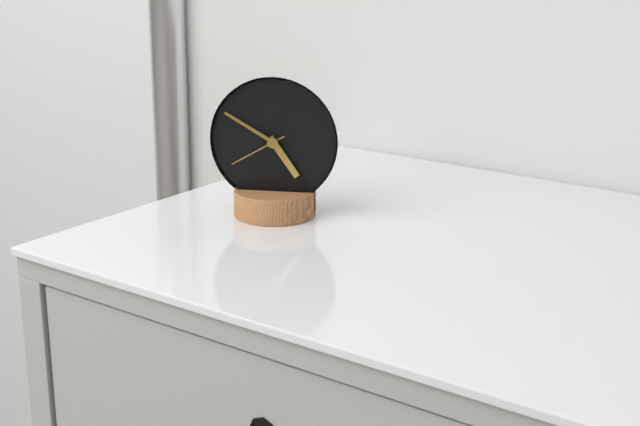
4:50:40
